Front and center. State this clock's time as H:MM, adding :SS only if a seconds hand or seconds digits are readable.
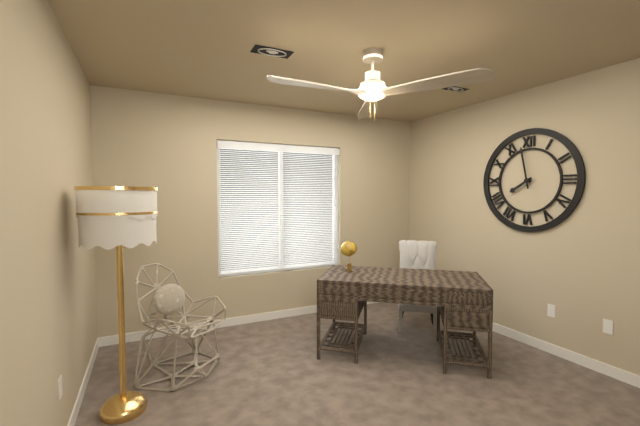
7:58
